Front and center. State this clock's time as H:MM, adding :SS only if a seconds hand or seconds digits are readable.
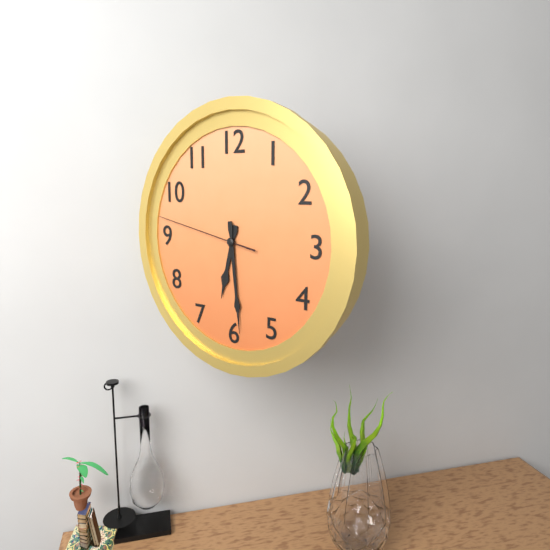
6:29:47
